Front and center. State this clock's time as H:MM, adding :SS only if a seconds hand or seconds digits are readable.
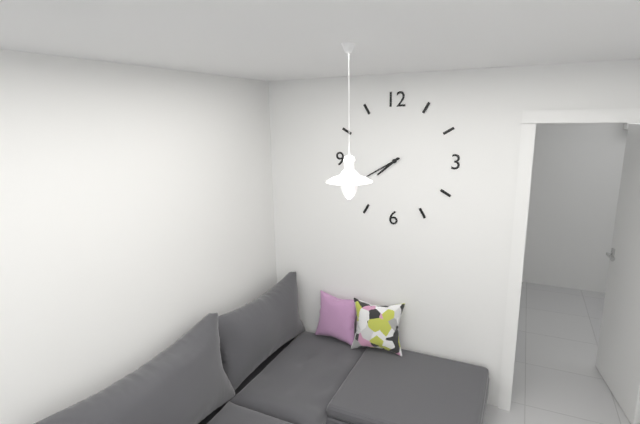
7:40
